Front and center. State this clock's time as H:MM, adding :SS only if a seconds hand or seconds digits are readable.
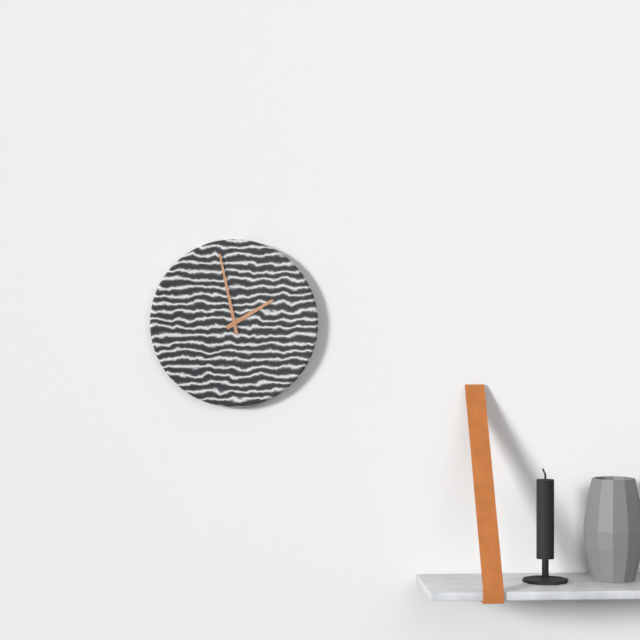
1:58
